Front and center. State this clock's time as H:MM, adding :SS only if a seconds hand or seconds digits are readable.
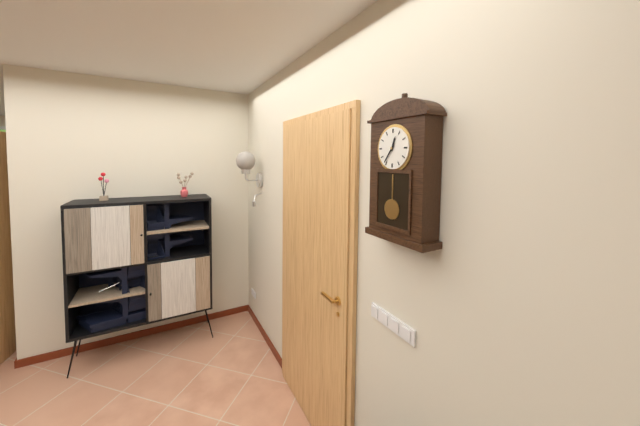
12:36
